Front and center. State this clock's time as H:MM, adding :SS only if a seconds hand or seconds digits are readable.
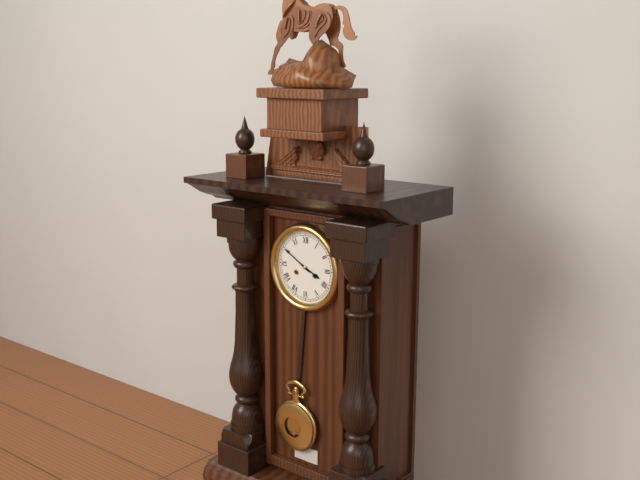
3:50
